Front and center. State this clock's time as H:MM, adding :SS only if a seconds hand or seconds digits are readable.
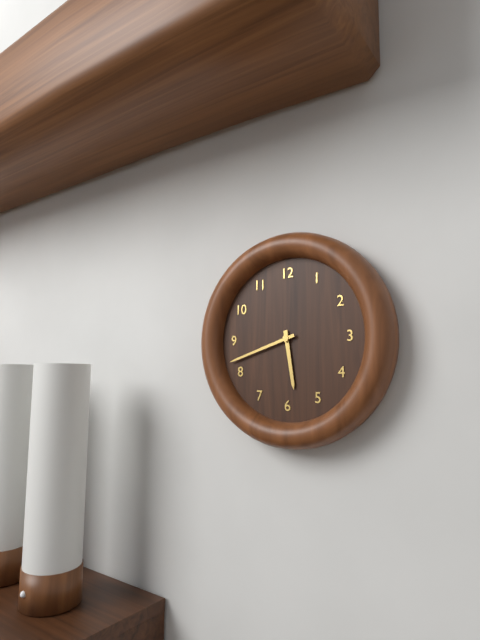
5:42
